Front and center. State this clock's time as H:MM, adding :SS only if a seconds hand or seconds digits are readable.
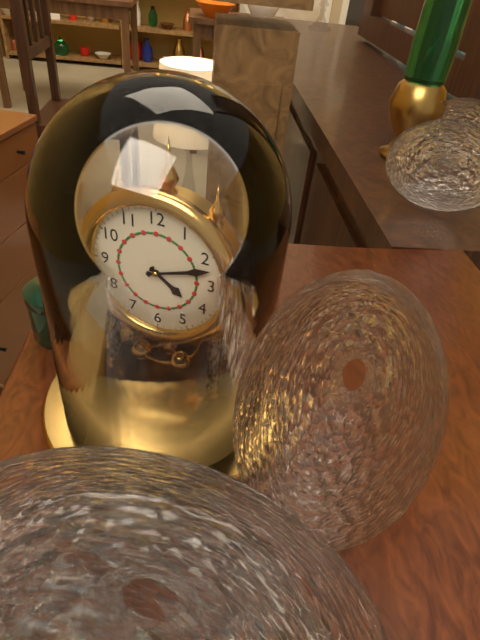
4:12
